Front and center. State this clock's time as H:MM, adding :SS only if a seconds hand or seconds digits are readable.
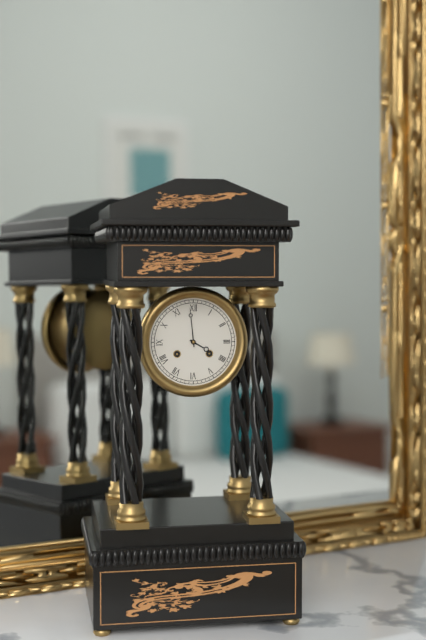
3:59
